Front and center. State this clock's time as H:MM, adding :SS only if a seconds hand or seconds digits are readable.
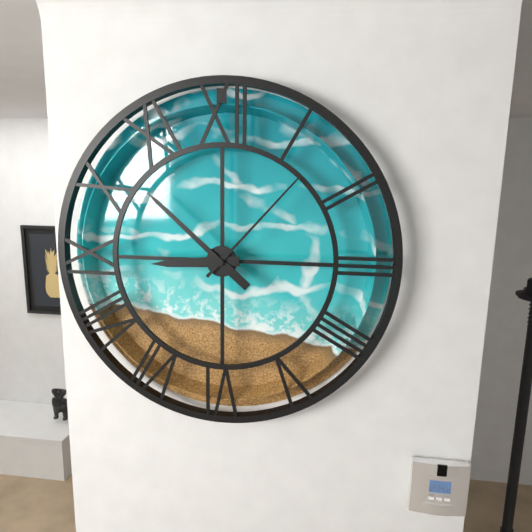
8:52:07
